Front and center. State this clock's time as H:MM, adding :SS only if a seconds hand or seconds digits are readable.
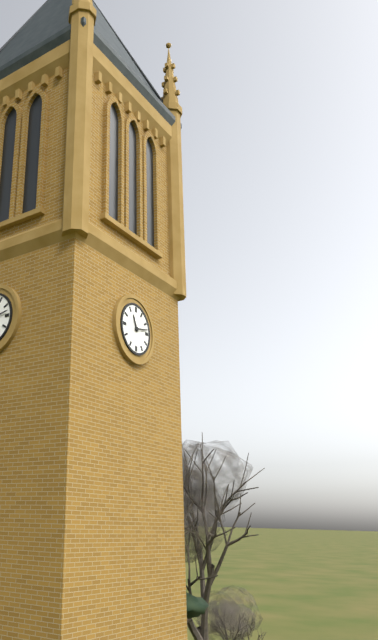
11:13
